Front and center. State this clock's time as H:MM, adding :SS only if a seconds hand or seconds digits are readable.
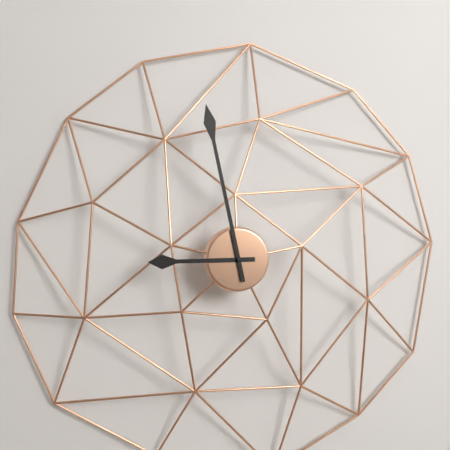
8:58
